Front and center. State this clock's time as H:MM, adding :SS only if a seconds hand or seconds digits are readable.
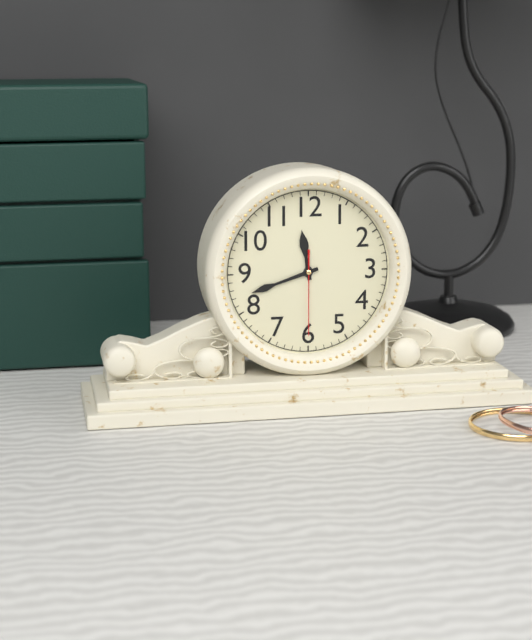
11:42:30
